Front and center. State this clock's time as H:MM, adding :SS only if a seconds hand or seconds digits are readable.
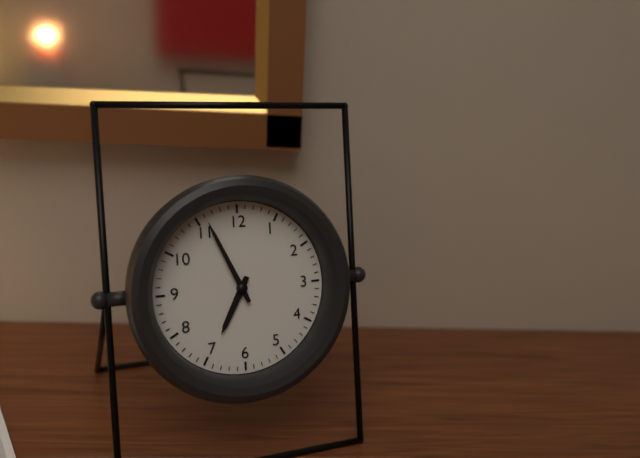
6:56
